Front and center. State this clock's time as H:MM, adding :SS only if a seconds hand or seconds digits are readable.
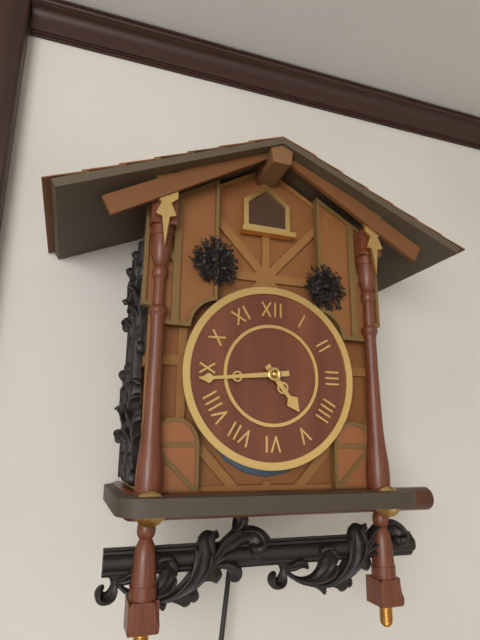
4:44
